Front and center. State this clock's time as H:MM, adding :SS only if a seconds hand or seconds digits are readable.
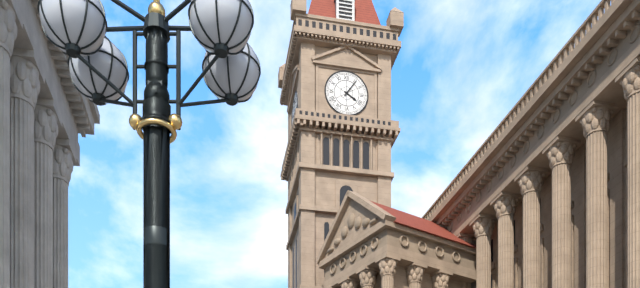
4:06
